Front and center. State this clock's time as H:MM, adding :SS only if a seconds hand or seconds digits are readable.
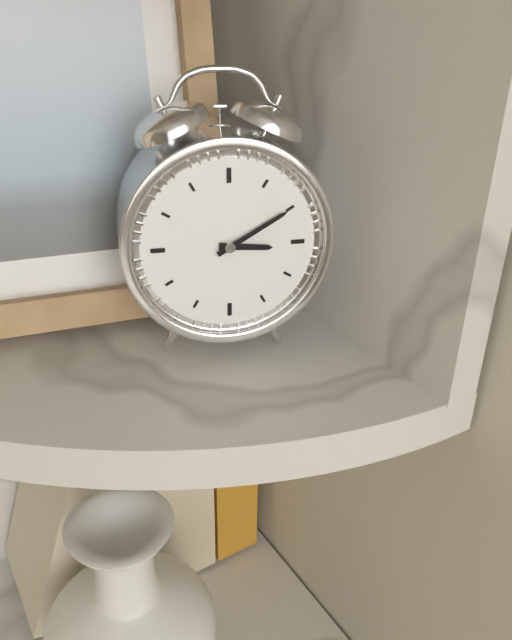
3:10
